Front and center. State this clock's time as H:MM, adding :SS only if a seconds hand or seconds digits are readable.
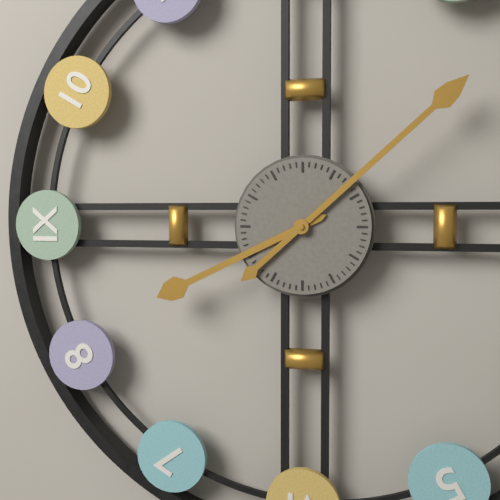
8:08
